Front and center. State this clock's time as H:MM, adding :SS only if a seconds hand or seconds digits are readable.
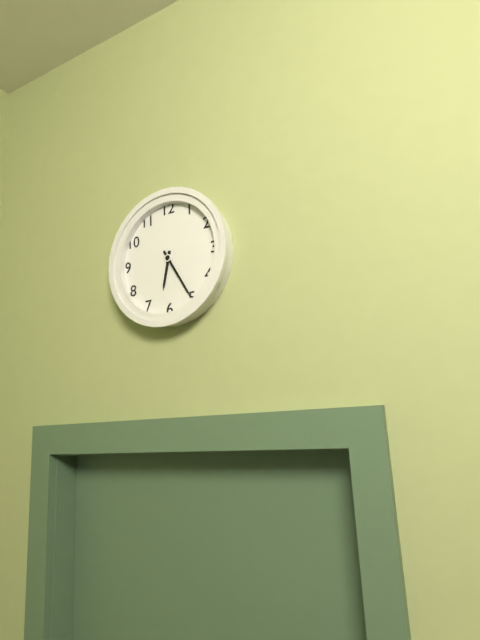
6:25
